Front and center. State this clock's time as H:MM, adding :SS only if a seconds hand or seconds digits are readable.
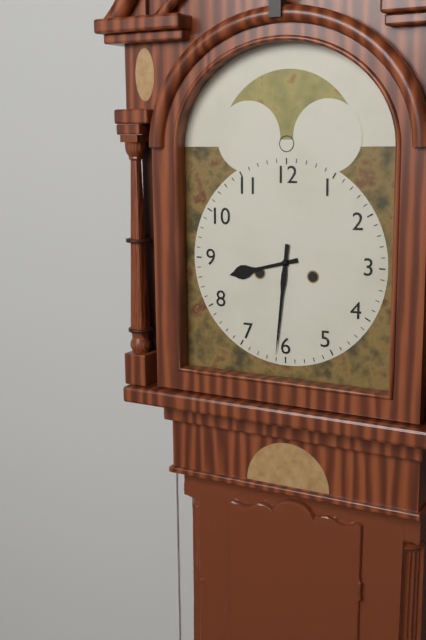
8:31
